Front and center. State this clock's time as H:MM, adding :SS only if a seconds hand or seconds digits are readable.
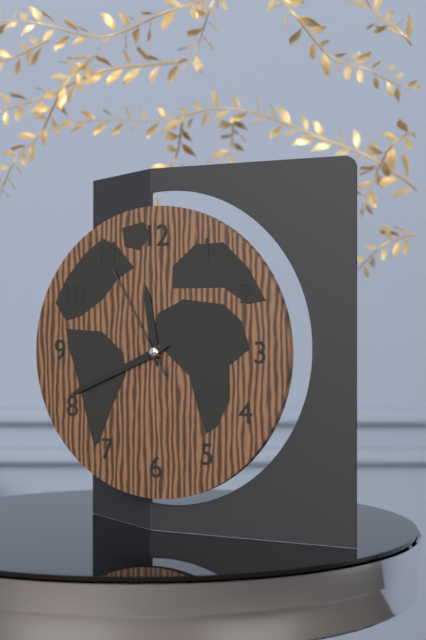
11:41:55
